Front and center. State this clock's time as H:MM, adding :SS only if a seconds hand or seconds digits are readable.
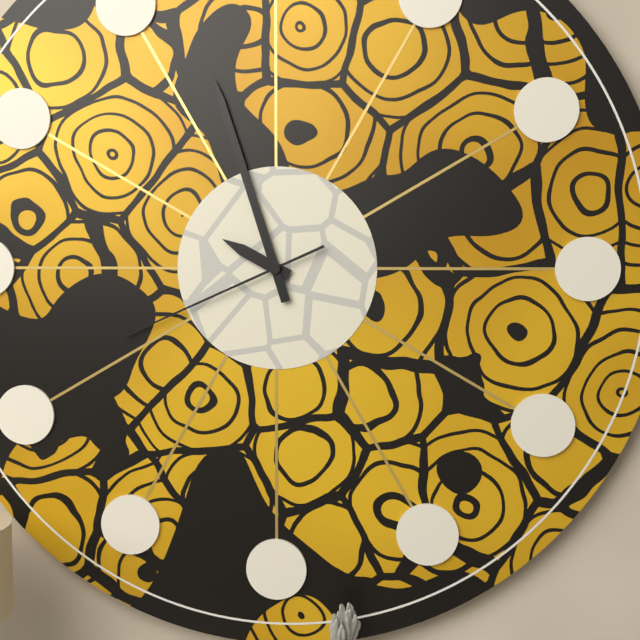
9:57:41
